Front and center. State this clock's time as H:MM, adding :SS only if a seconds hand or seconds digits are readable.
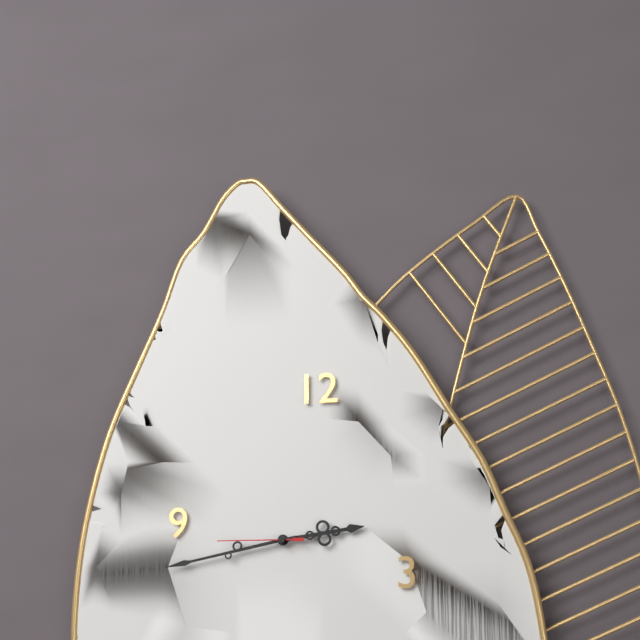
2:43:45
